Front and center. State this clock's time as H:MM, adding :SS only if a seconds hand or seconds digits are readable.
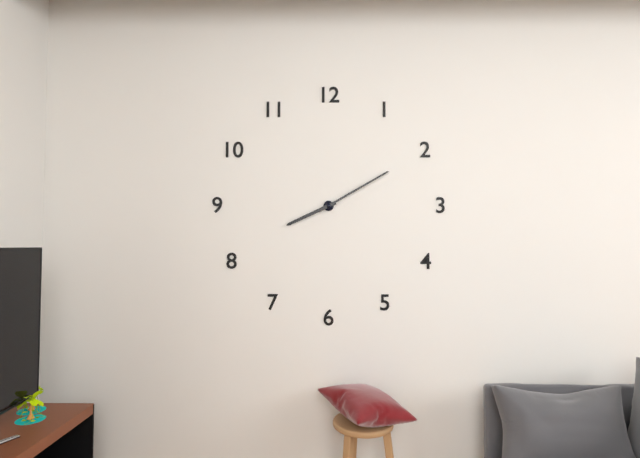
8:10
